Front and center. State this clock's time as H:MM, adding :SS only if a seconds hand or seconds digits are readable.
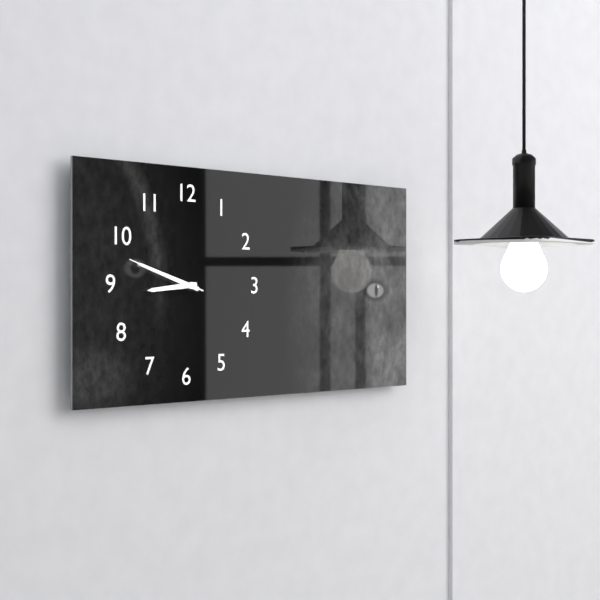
8:48:48
